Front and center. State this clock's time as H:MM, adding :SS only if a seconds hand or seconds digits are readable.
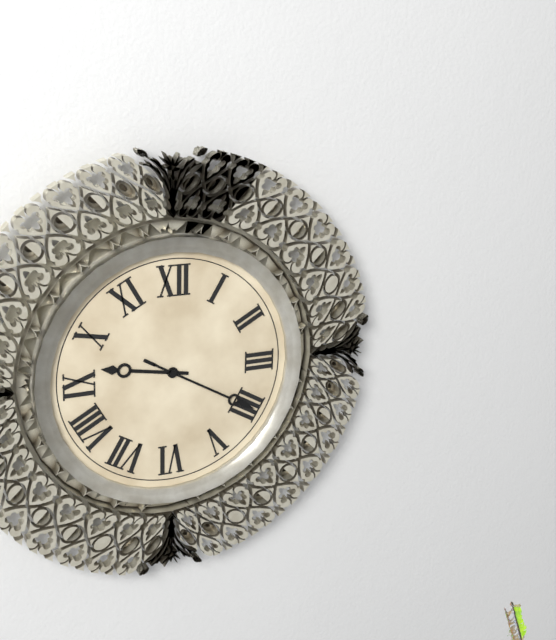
9:20
